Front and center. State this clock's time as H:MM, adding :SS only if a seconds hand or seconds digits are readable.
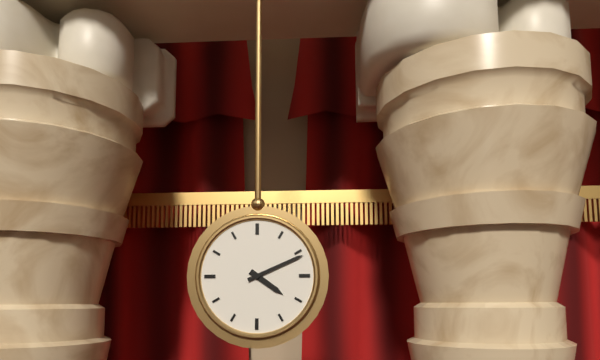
4:11
